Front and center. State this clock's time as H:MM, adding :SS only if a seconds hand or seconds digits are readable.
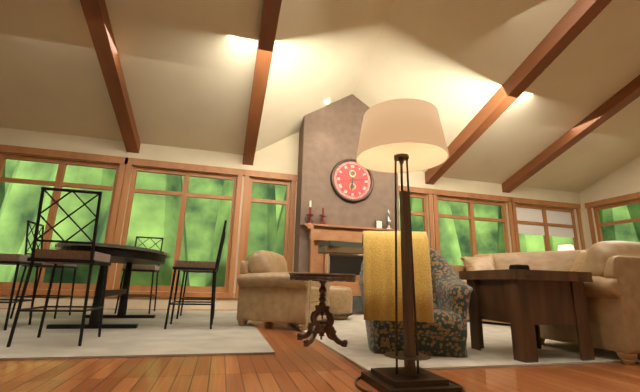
6:14
